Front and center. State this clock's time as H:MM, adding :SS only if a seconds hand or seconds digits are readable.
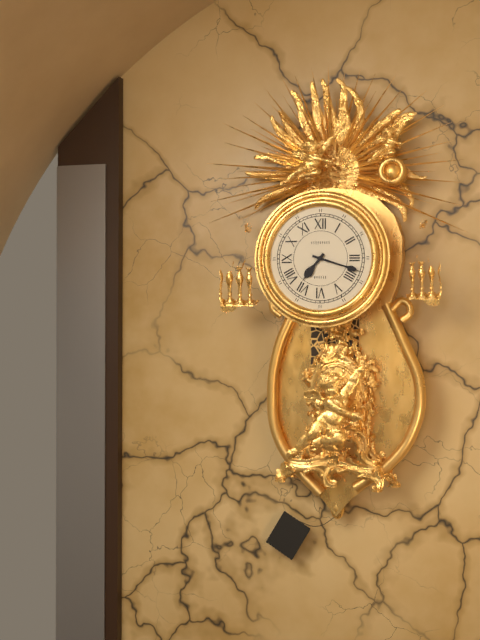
7:18
